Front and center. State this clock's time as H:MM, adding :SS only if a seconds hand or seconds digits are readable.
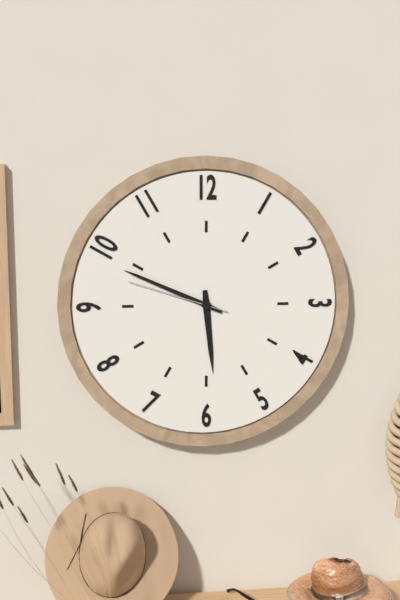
5:49:48
